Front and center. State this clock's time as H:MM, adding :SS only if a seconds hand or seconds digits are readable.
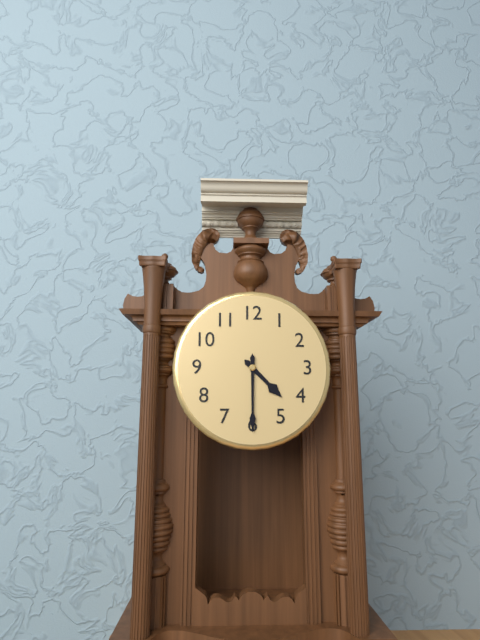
4:30
